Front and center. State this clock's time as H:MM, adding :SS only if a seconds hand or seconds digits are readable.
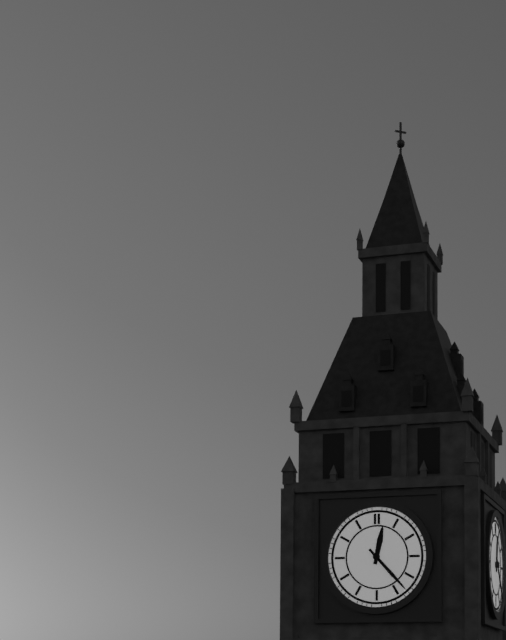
12:23
